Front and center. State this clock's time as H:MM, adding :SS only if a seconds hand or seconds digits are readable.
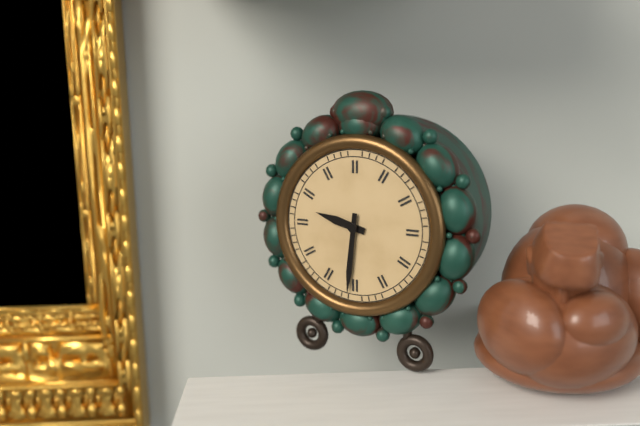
9:31
